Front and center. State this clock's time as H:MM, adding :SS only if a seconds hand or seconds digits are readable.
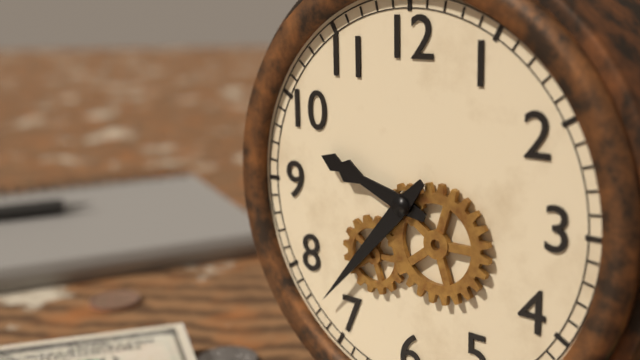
9:37
